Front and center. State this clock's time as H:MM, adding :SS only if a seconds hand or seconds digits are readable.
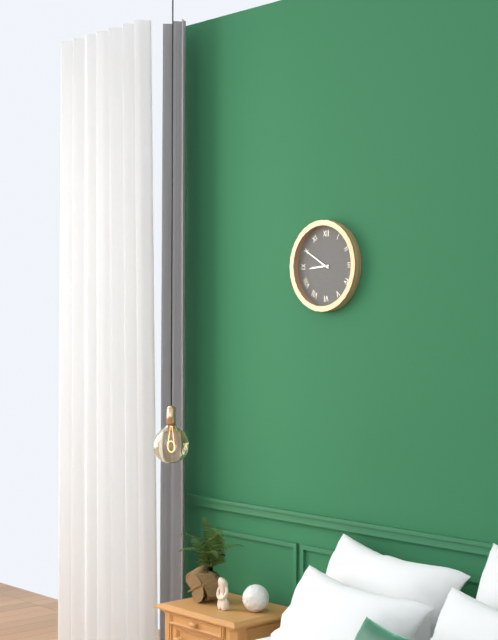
8:50
